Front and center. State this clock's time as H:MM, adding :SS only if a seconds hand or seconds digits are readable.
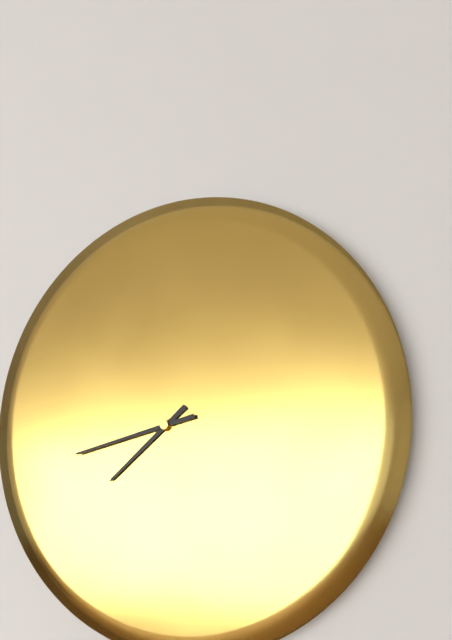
7:43
